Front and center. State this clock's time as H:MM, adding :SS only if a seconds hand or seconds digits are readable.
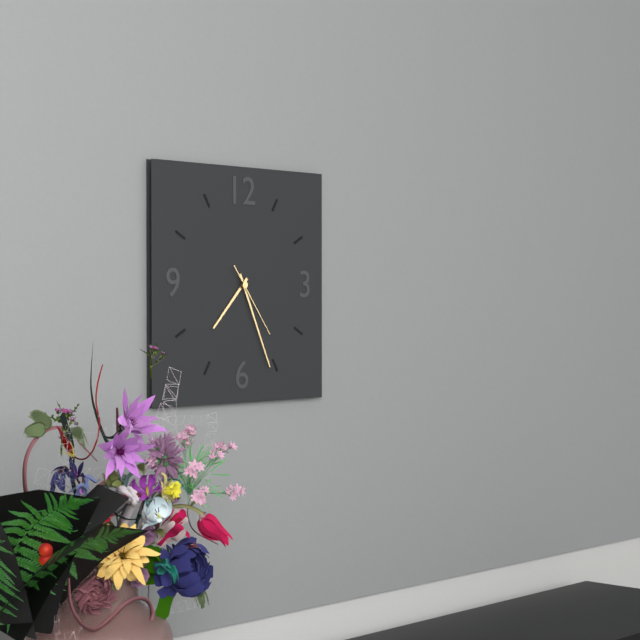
7:26:24
